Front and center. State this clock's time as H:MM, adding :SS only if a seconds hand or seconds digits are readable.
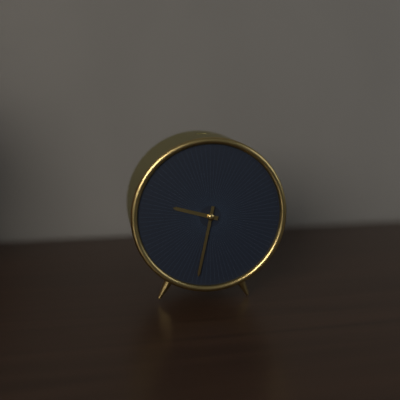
9:32
